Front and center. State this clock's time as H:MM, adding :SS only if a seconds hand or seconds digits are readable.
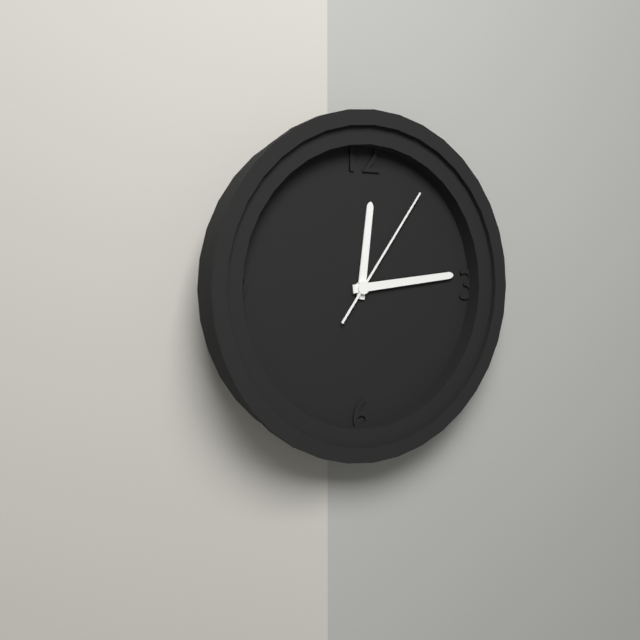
12:14:06
